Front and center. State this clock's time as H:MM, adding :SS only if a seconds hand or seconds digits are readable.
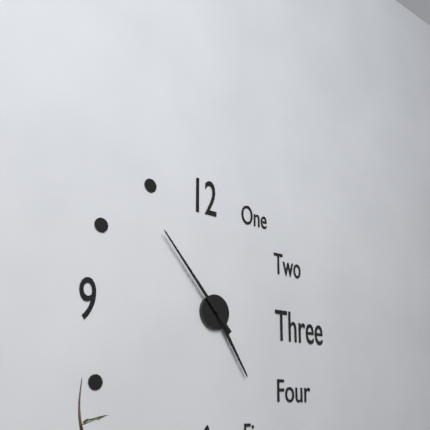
4:53
